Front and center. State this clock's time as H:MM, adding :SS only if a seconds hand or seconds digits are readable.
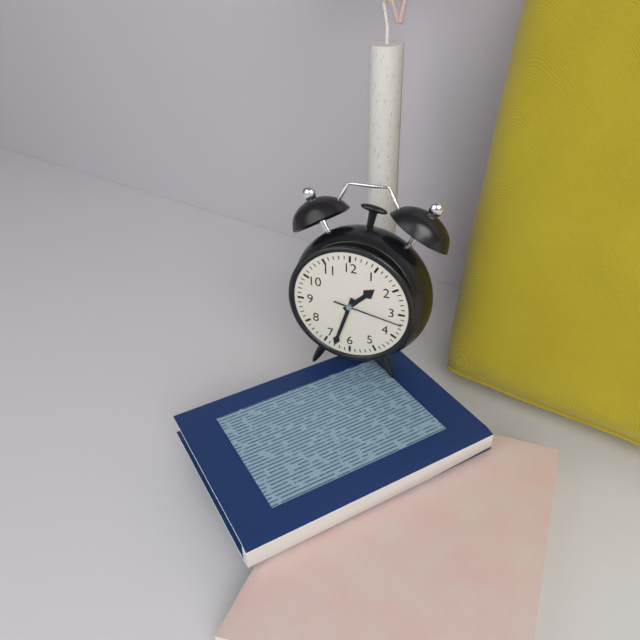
1:33:17
